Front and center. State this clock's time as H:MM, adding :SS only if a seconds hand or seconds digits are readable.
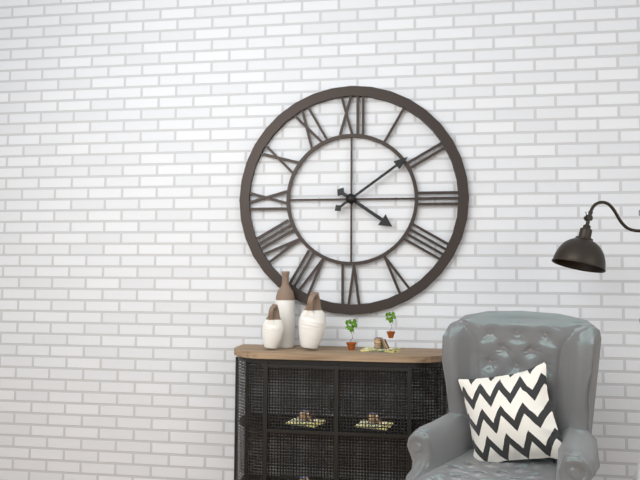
4:09
